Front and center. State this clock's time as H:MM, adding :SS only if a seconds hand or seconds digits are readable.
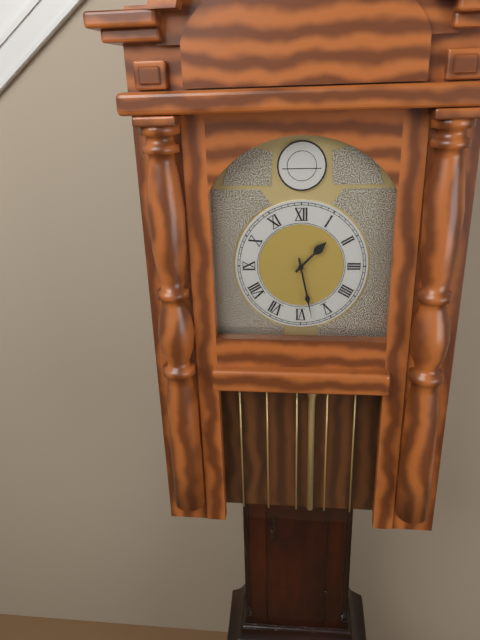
1:28
